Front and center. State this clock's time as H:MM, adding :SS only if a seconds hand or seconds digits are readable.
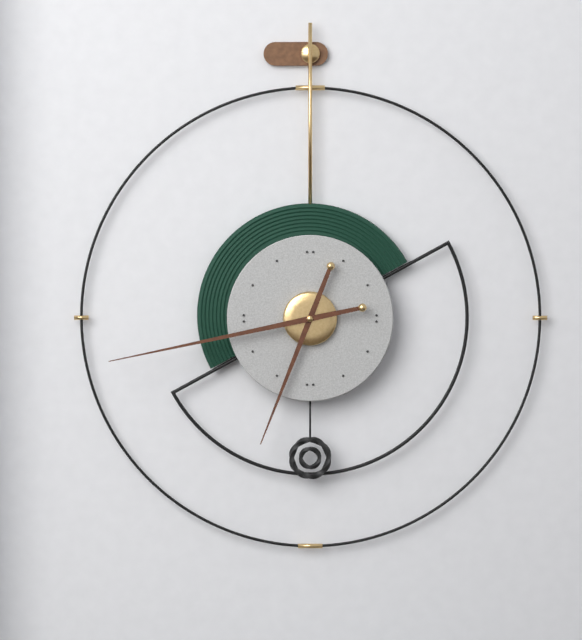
6:43
